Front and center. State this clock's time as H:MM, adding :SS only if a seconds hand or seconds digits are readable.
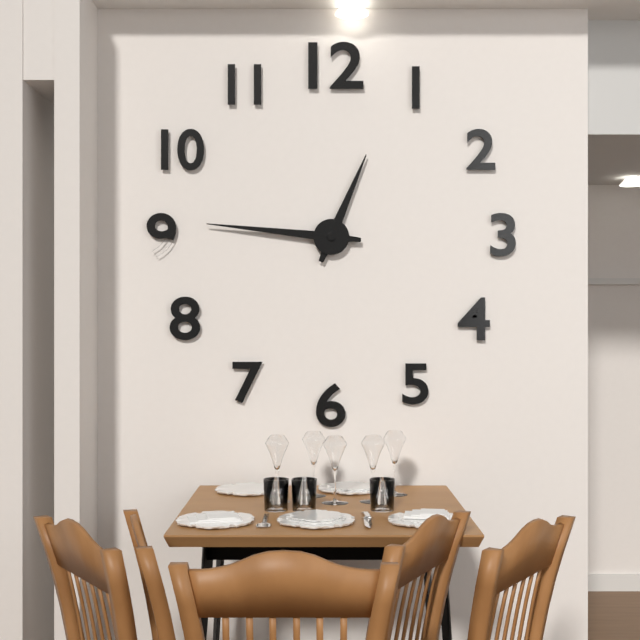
12:46
